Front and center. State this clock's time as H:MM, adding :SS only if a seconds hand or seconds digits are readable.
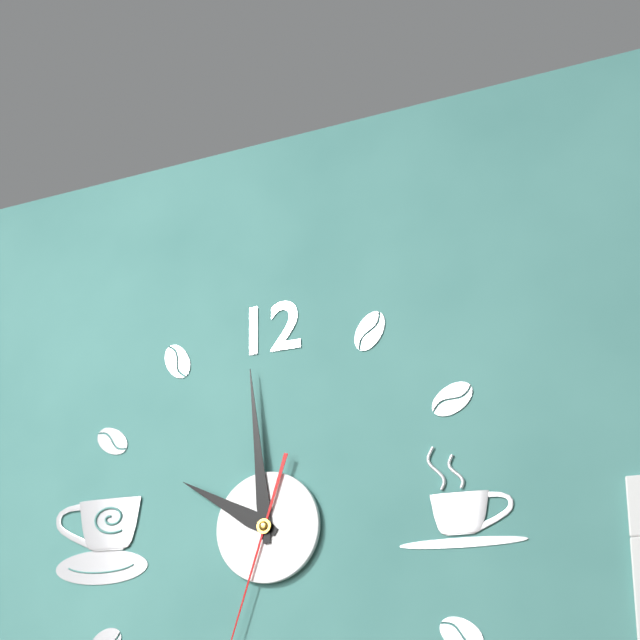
9:59
